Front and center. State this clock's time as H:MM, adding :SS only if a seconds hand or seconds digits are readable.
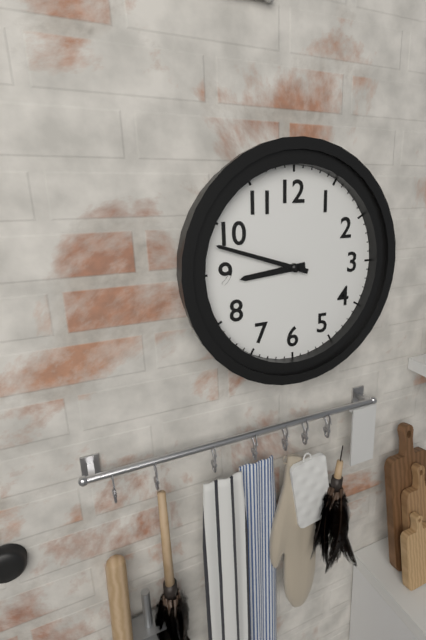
8:48
